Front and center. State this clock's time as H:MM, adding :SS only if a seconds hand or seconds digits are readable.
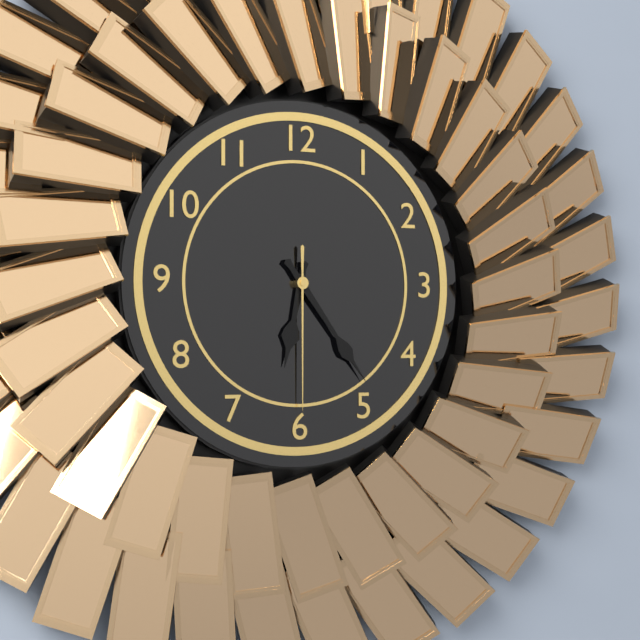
6:24:30
